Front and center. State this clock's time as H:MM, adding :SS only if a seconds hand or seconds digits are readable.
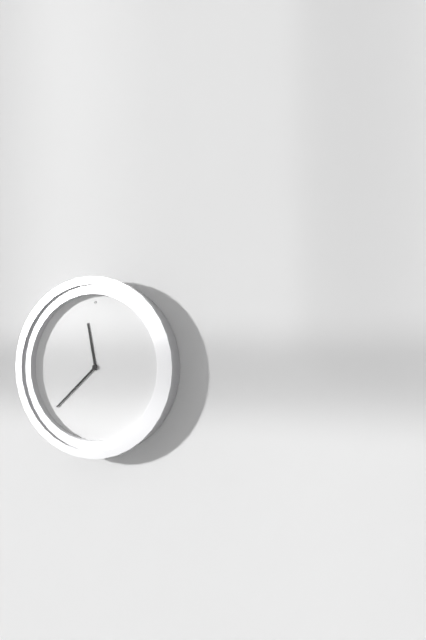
11:38
